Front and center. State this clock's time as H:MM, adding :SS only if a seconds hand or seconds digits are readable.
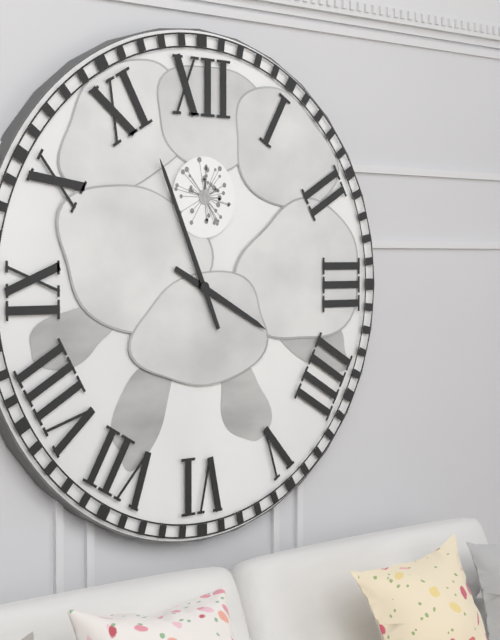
3:56
